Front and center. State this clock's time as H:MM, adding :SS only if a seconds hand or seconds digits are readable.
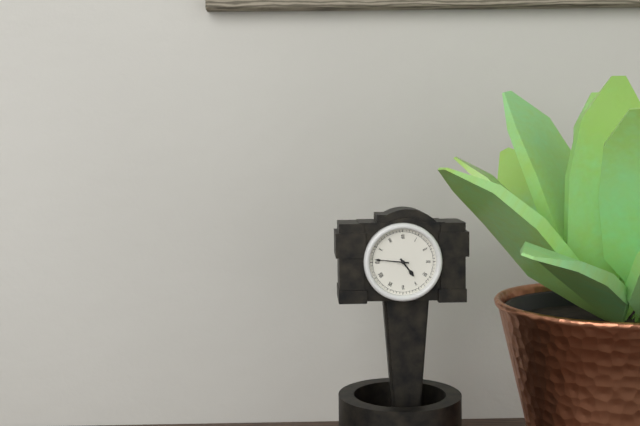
4:46
